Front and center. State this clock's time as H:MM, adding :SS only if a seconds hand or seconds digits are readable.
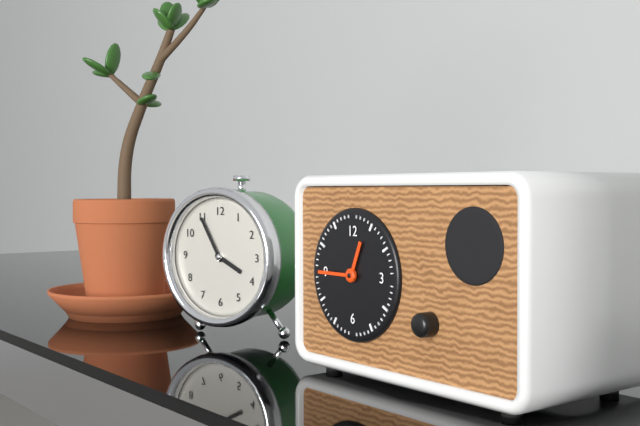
12:45
